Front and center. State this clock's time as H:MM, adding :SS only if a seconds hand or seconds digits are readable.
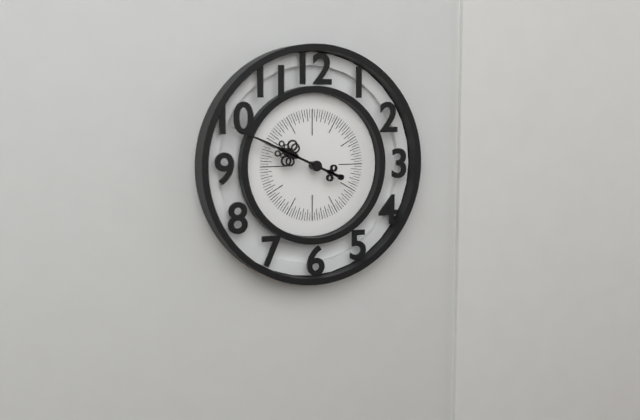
9:49
